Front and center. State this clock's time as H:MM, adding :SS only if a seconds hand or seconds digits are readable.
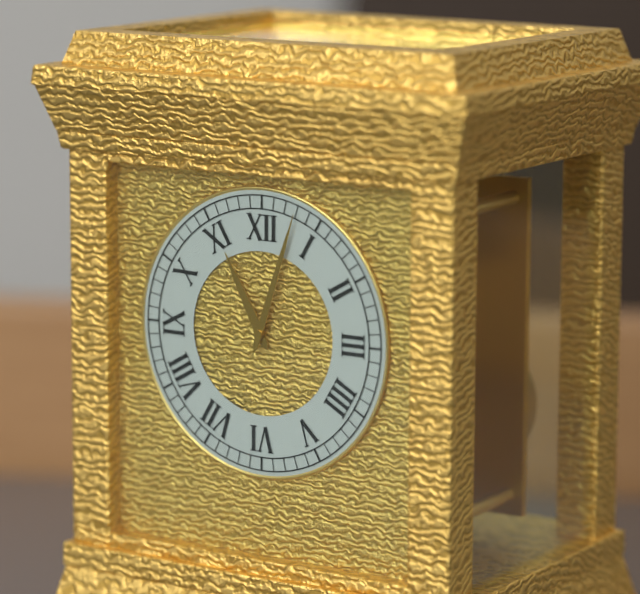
11:03
